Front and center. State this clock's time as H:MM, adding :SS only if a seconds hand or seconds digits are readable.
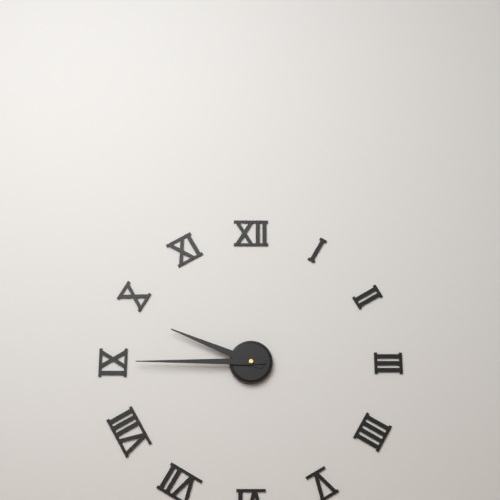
9:45
